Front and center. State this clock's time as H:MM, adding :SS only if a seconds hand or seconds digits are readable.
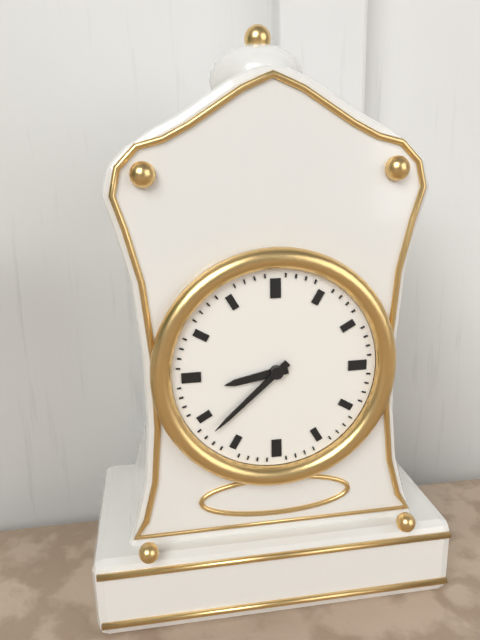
8:38
